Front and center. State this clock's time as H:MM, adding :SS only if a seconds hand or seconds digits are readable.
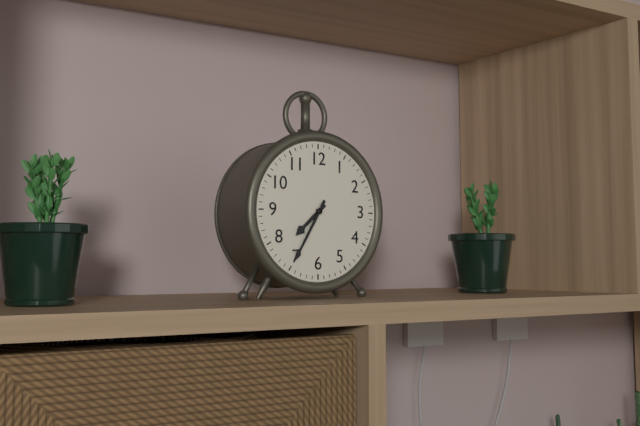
7:35
